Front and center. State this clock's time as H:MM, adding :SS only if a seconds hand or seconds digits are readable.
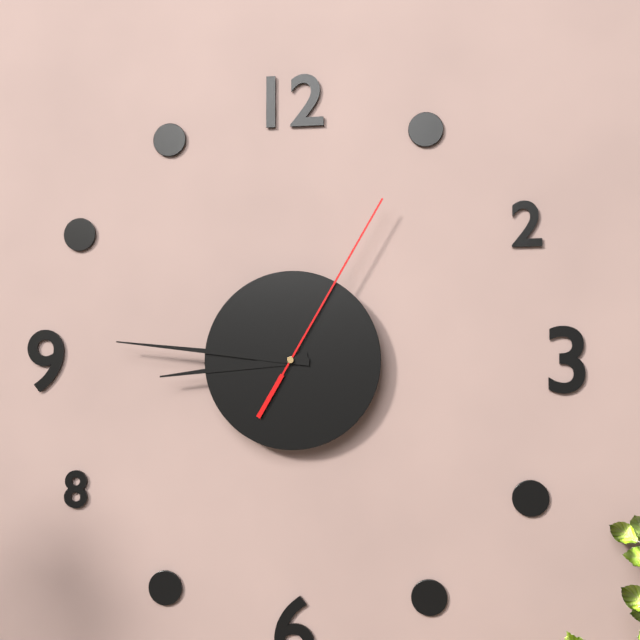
8:46:05
